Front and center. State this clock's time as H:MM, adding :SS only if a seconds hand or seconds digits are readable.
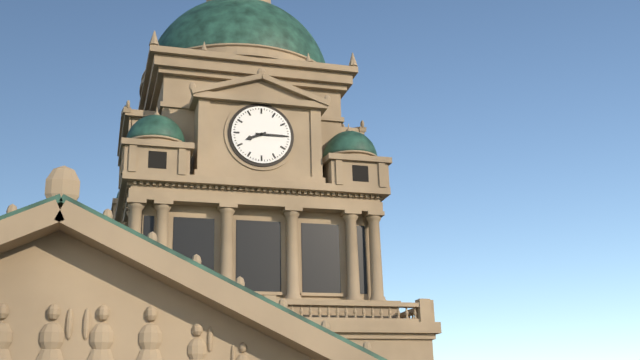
8:15
